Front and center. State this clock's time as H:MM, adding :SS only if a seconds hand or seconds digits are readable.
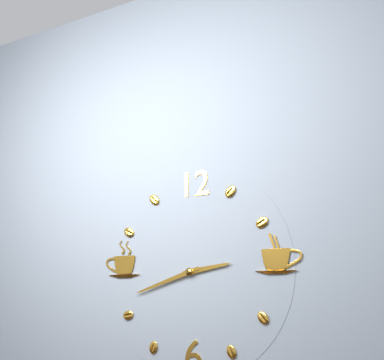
2:42
